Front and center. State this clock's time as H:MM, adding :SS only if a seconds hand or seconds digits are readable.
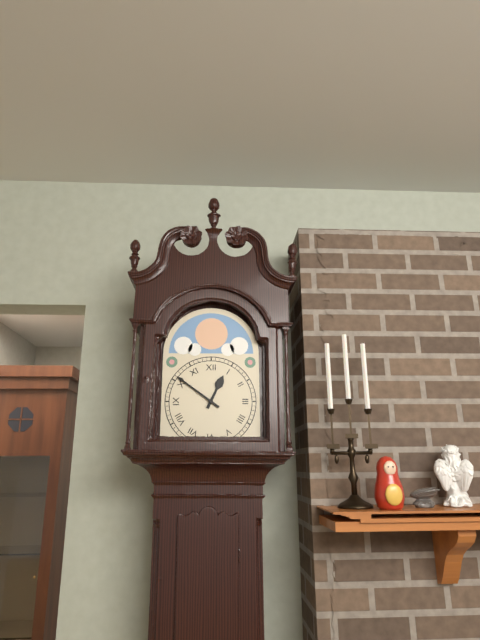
12:51
